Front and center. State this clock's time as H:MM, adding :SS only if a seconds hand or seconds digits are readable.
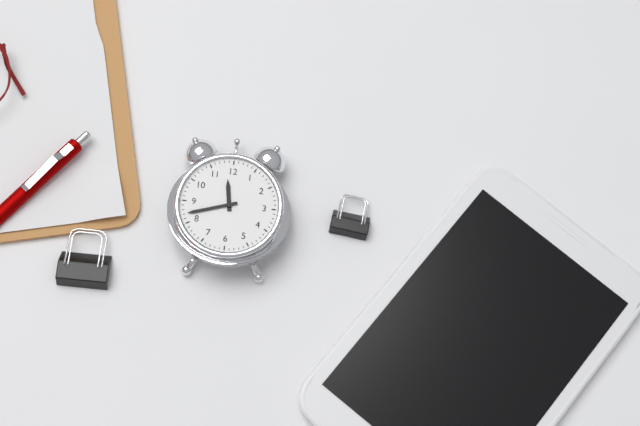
11:42
